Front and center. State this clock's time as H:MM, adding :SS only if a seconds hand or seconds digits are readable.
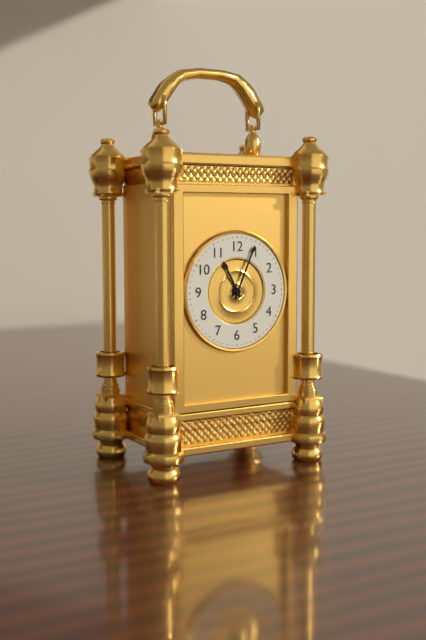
11:04
